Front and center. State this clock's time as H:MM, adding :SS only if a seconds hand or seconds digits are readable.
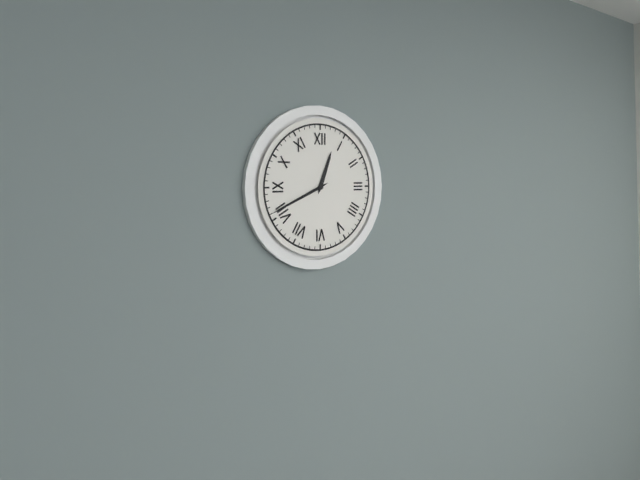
12:41
